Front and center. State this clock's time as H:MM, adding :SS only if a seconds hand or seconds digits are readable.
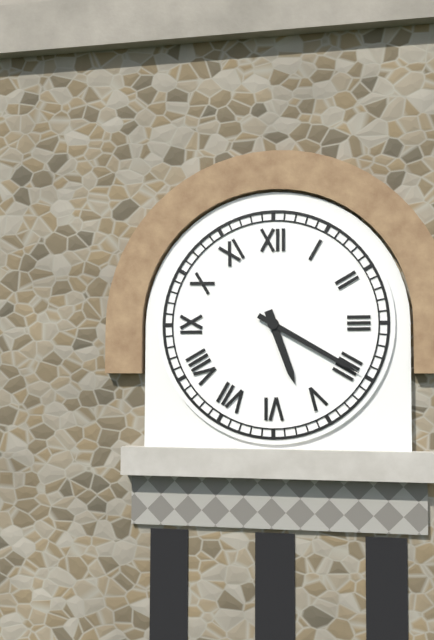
5:20
